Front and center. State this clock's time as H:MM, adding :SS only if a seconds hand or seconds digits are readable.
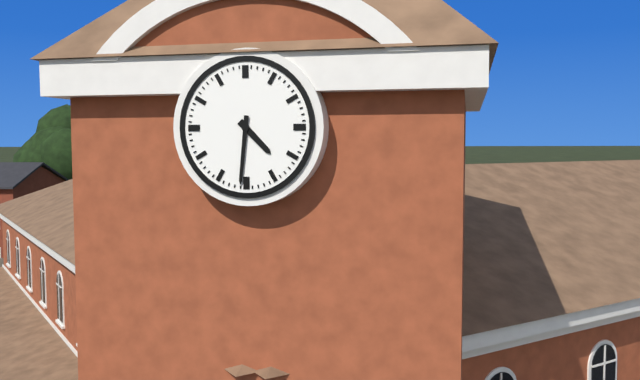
4:31
